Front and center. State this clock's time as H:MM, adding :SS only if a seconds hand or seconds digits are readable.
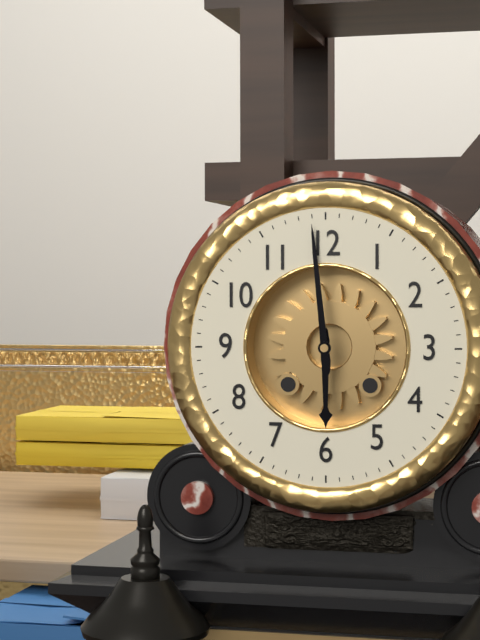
5:59
